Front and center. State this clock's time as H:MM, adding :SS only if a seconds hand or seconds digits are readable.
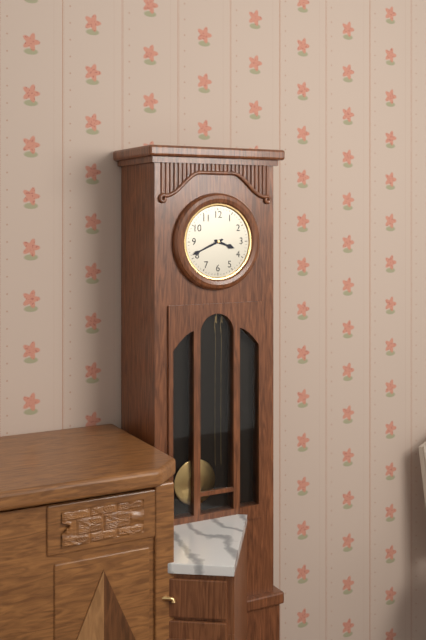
3:41
